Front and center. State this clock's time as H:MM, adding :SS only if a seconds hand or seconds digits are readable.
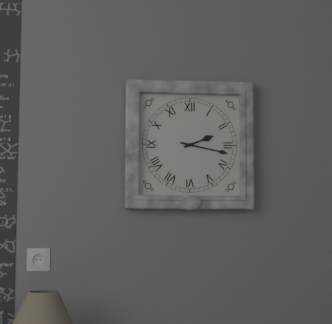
2:17
